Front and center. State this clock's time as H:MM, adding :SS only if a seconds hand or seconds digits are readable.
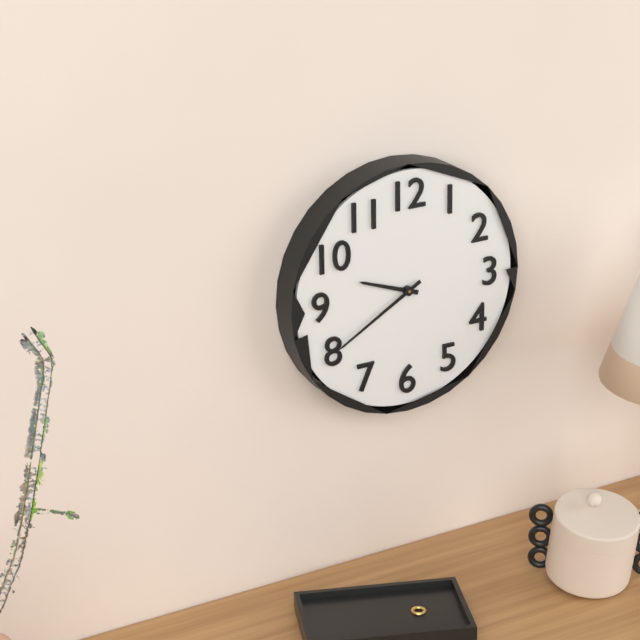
9:40
